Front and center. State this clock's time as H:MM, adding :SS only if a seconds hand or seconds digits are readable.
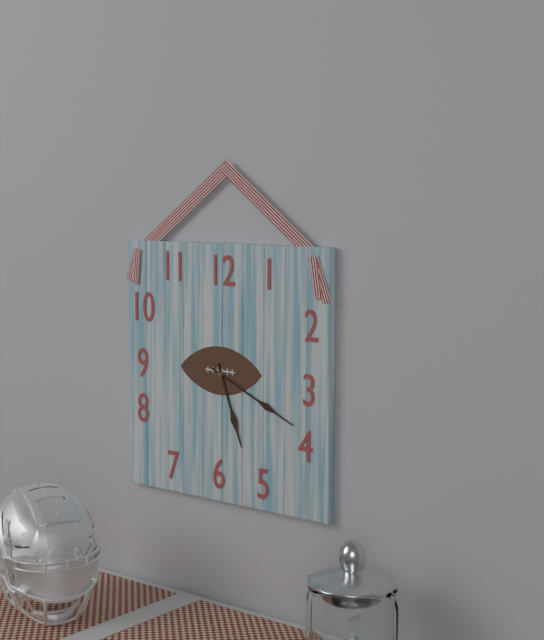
5:19
